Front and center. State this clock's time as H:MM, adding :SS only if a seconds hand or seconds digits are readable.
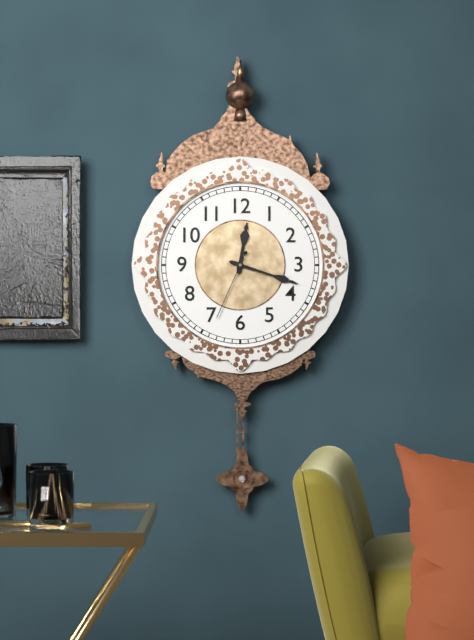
12:18:34
